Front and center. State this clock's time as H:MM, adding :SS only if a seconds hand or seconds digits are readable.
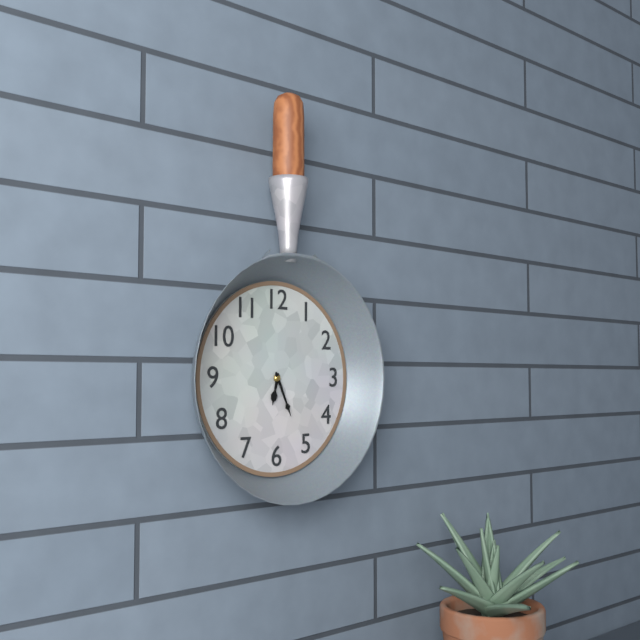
6:26
